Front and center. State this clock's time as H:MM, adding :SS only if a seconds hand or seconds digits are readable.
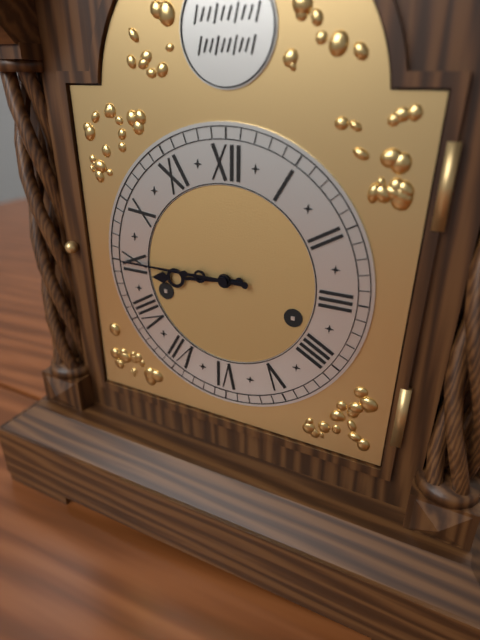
8:45
